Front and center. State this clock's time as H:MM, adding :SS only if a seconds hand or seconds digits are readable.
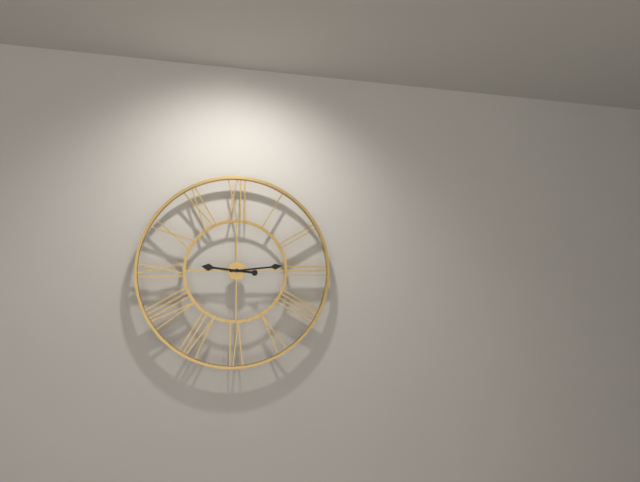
9:14
